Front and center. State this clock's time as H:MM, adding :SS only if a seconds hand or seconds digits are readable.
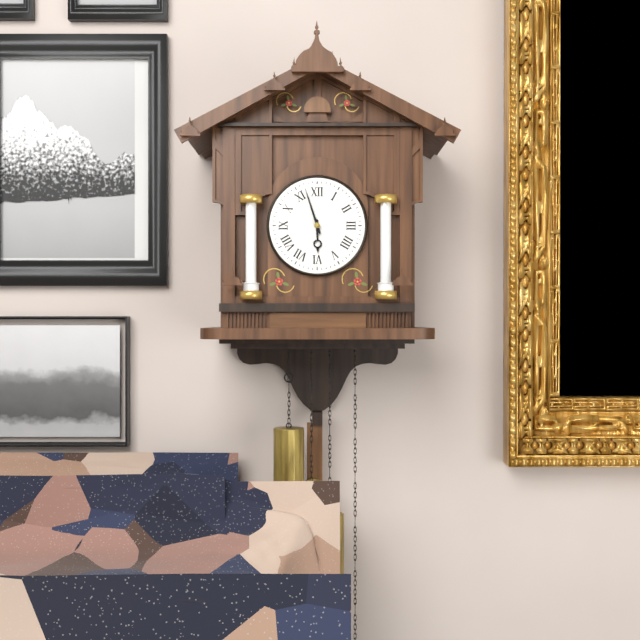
5:57
